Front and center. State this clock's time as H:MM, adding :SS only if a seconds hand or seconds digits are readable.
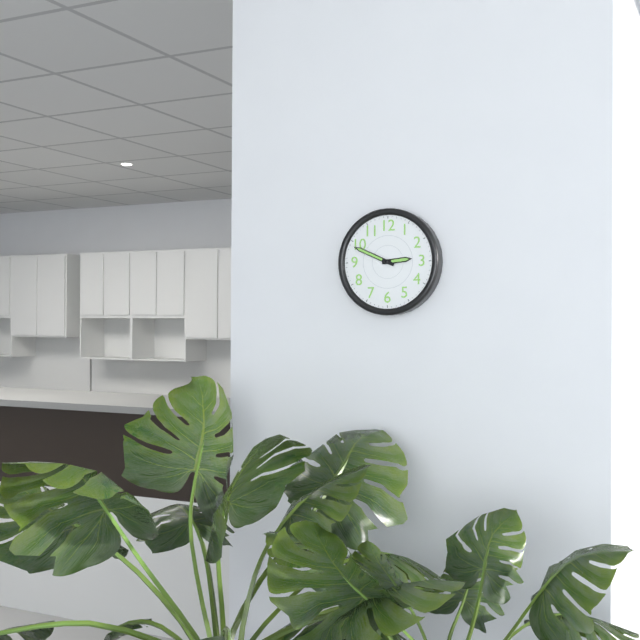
2:49
